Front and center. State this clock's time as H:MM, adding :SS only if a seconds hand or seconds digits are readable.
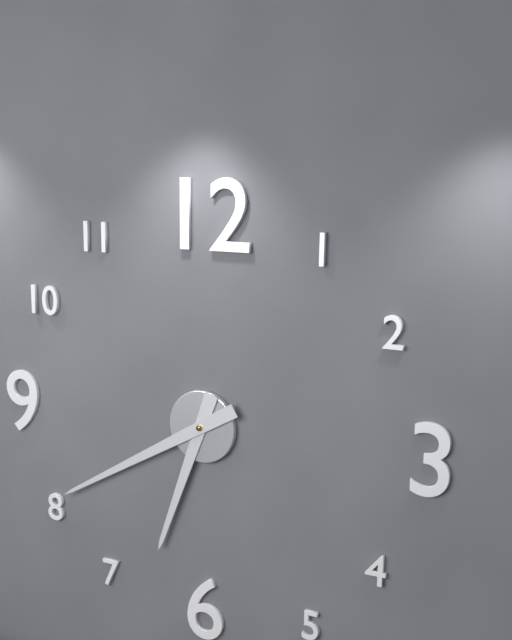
6:40
